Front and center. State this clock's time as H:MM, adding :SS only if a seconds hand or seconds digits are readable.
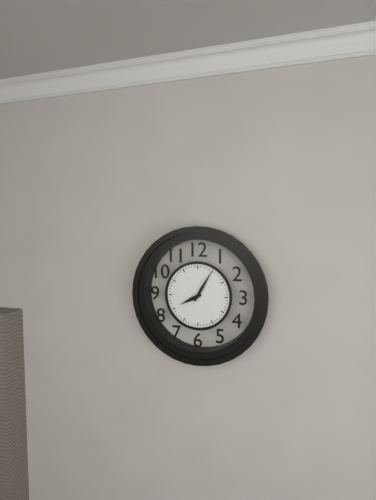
8:05
